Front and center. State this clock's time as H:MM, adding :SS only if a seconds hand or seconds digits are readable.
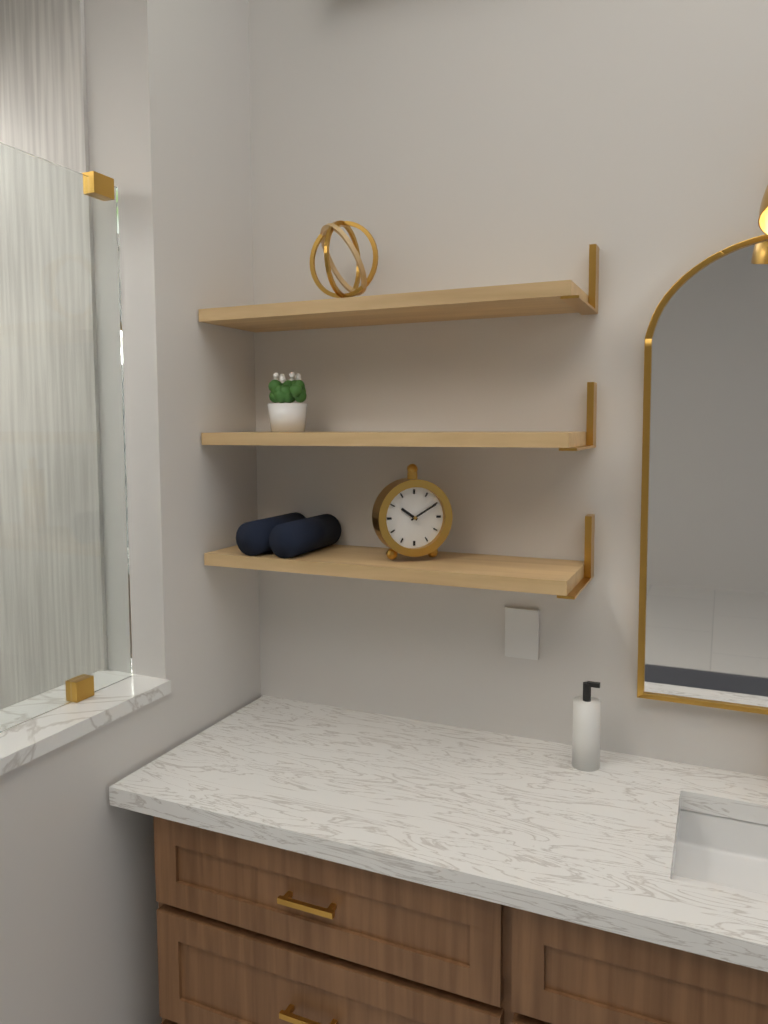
10:10
